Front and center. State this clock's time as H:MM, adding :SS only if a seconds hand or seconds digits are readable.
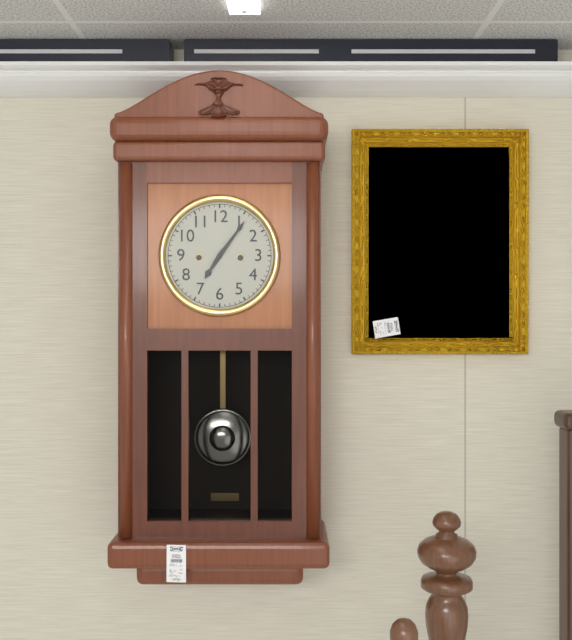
7:06
